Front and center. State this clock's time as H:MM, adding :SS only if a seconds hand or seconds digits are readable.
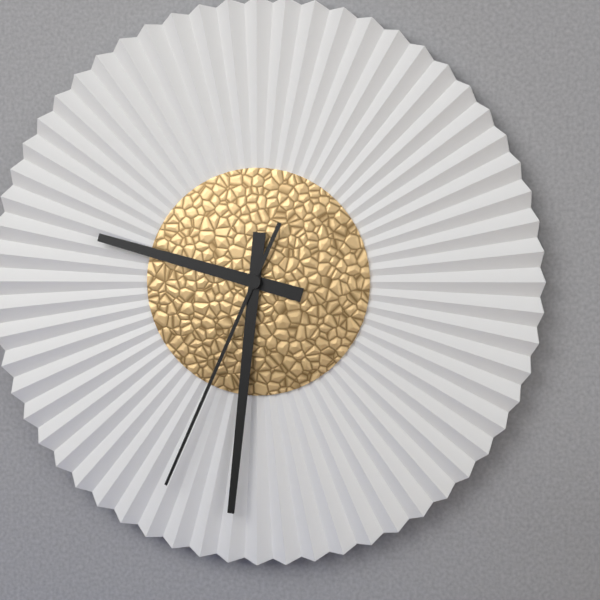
9:31:34
